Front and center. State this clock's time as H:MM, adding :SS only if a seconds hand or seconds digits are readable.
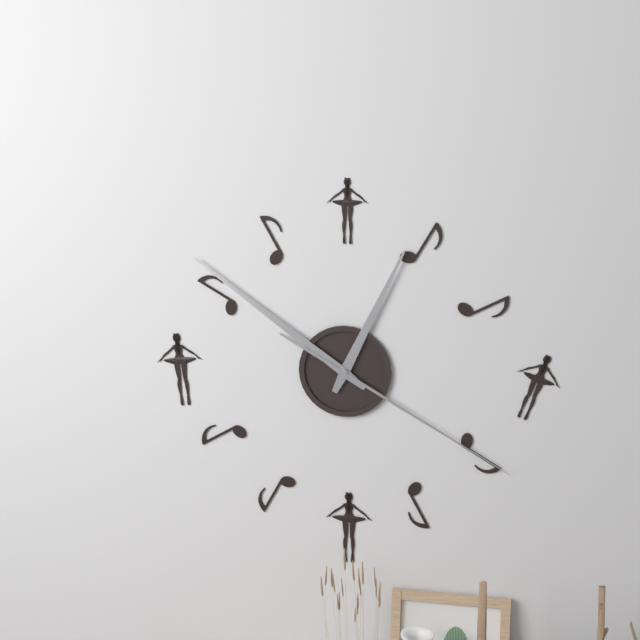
12:51:20
